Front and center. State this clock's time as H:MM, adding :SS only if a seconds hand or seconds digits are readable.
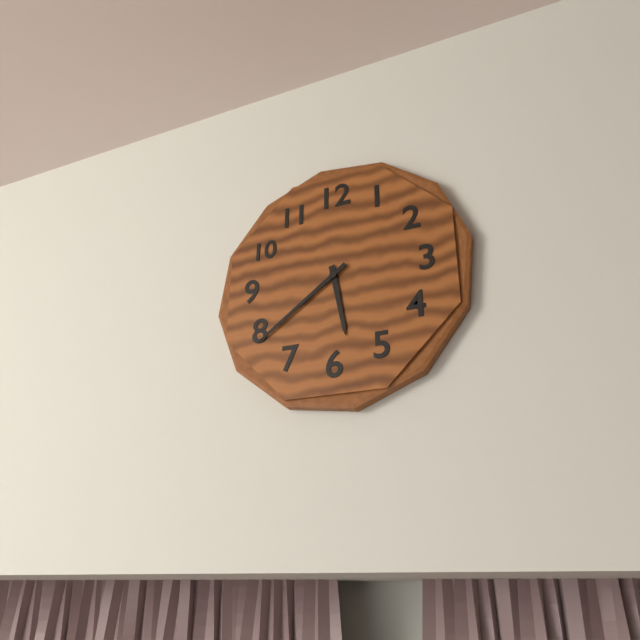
5:39
